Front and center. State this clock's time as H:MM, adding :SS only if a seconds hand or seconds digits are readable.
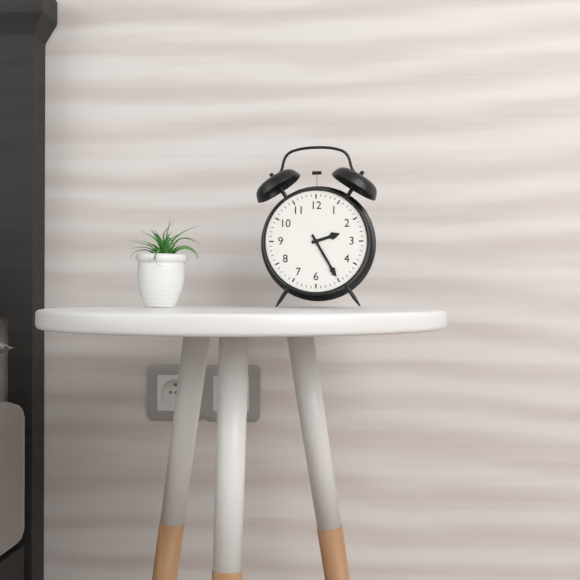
2:25
